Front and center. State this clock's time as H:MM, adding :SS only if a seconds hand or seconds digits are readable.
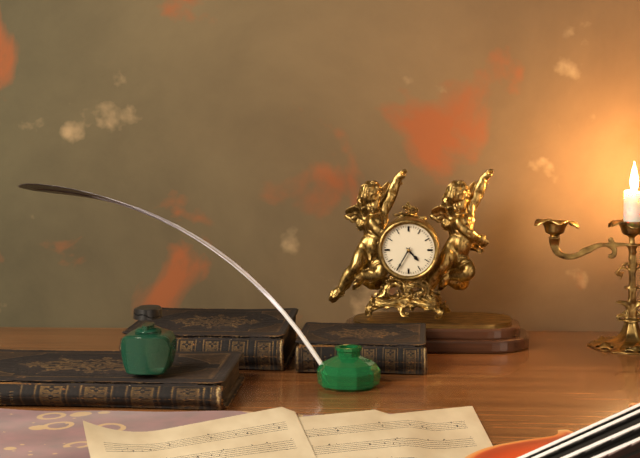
4:35
